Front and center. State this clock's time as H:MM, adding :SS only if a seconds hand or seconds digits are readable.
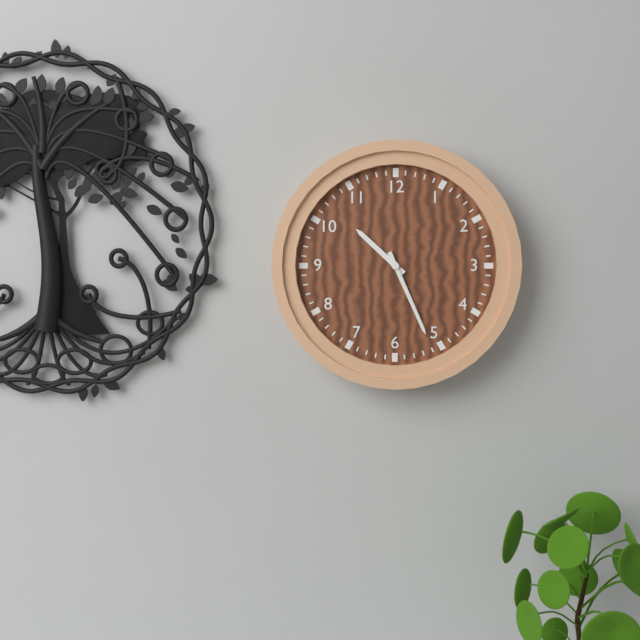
10:26
